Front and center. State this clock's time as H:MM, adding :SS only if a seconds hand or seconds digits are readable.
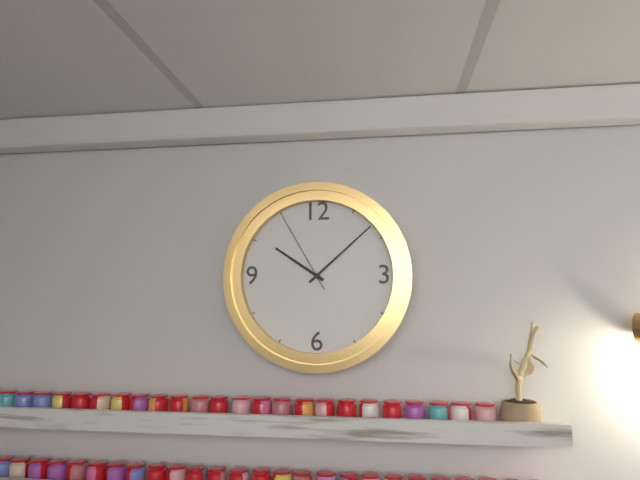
10:08:55
